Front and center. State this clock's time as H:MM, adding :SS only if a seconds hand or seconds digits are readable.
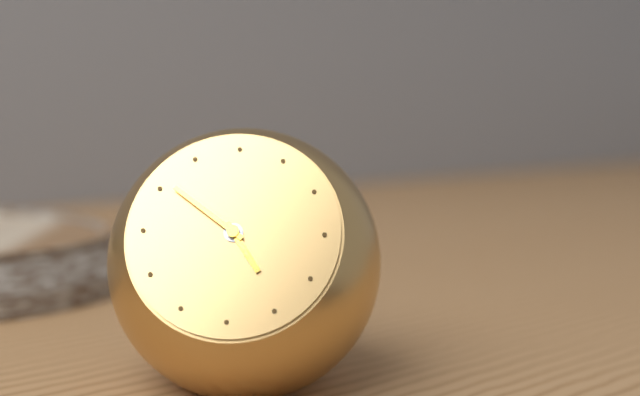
4:51
